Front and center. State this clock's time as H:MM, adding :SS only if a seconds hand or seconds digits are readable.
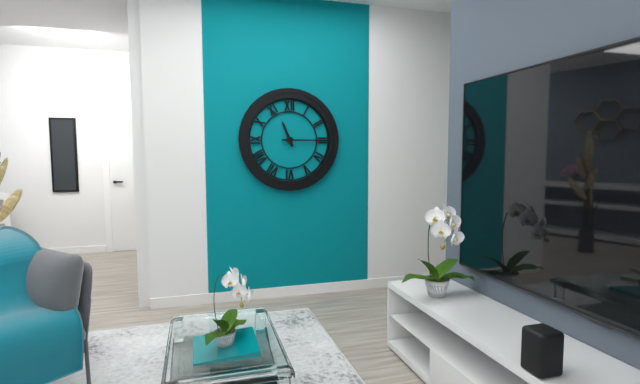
11:15
